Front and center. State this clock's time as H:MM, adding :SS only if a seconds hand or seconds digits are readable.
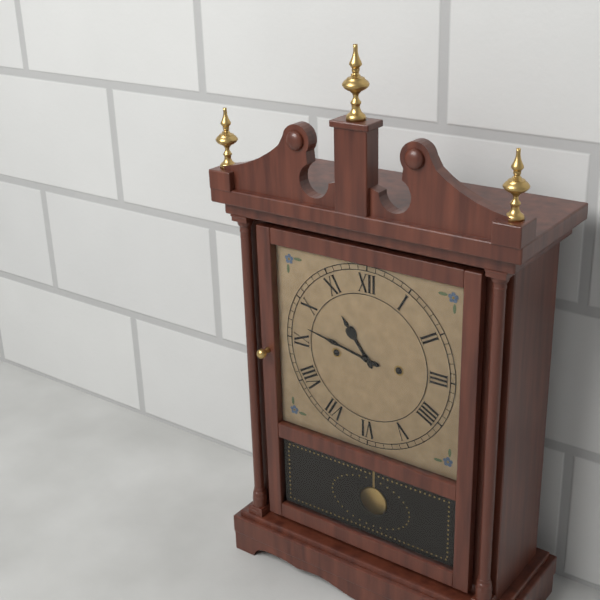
10:47
